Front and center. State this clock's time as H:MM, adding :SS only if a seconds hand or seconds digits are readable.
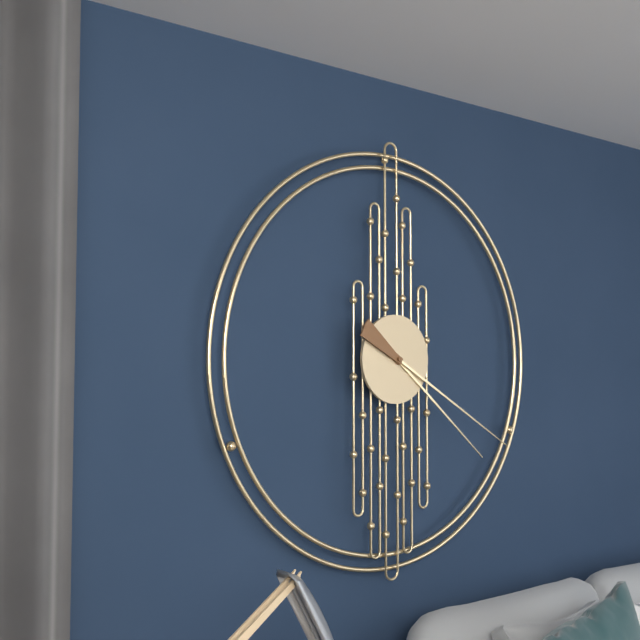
4:20
